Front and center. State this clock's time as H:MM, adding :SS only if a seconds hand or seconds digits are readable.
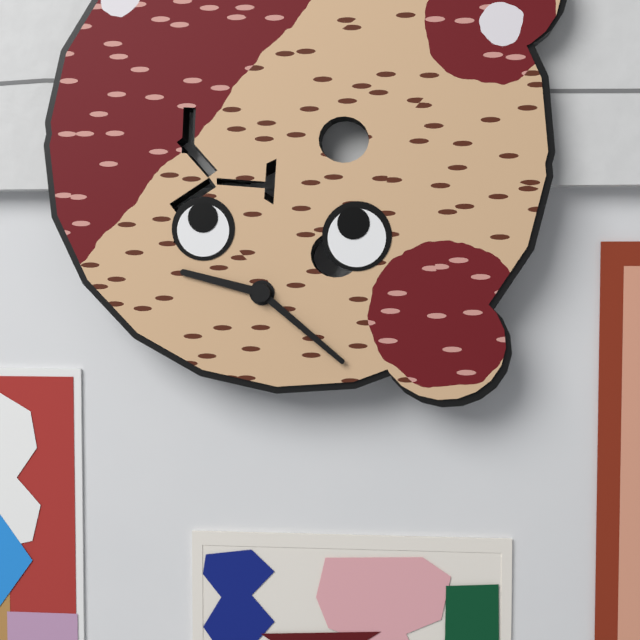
9:21
